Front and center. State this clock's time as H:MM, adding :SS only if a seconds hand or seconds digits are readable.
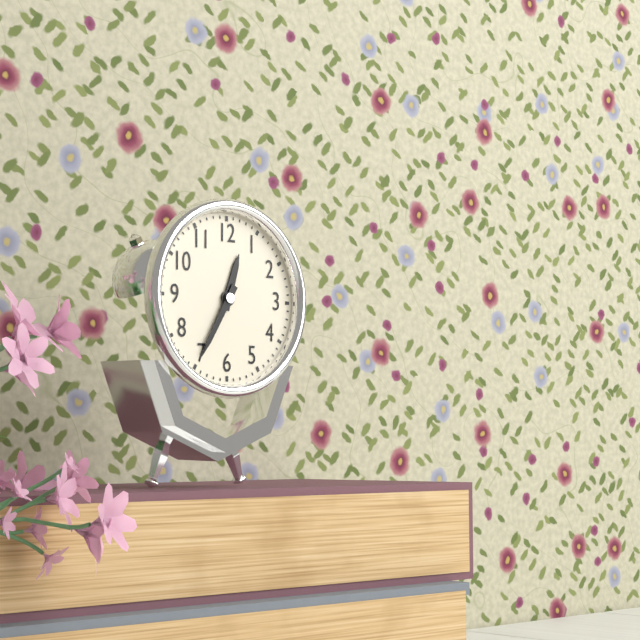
12:35
